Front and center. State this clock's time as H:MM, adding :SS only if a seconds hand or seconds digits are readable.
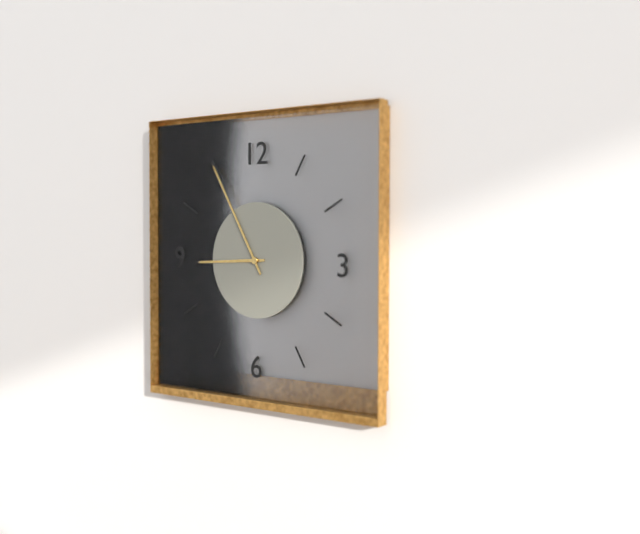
8:55
